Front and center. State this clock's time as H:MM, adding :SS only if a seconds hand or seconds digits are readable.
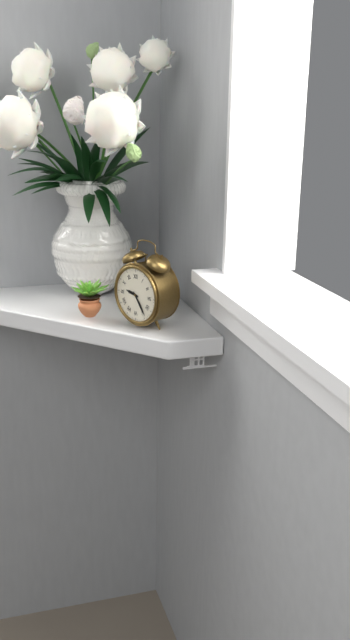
9:24
